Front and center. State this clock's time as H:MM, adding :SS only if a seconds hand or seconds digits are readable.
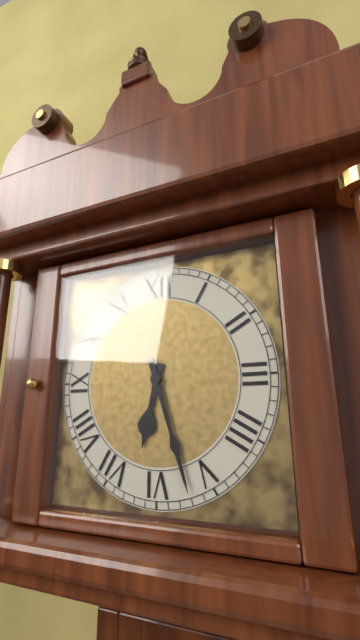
6:27
